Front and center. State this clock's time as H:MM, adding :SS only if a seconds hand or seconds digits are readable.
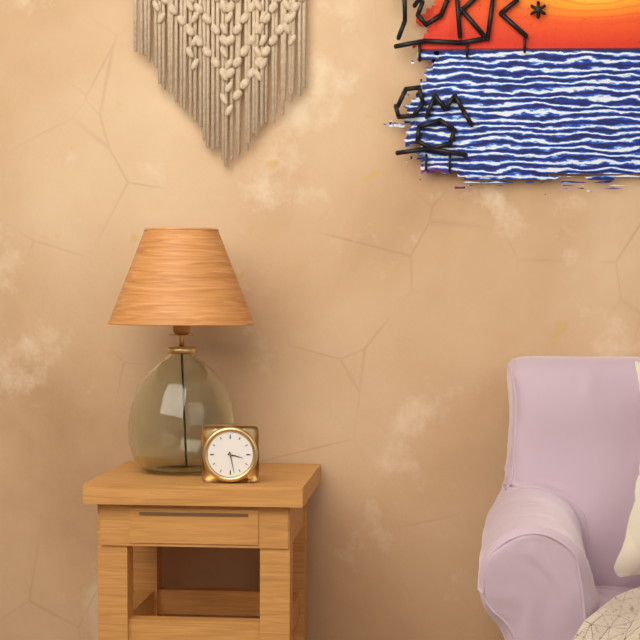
3:28
